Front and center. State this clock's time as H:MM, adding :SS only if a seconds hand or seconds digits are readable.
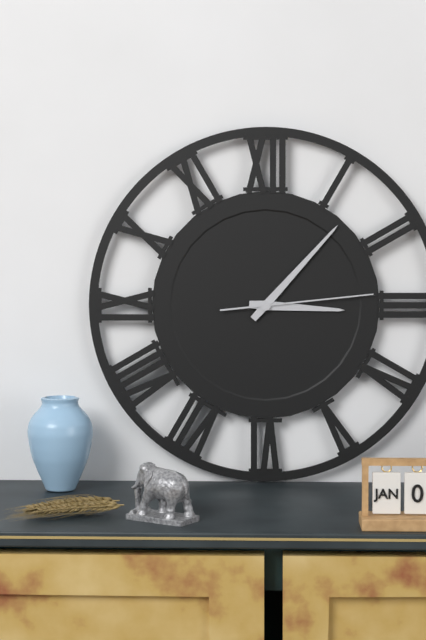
3:07:14
